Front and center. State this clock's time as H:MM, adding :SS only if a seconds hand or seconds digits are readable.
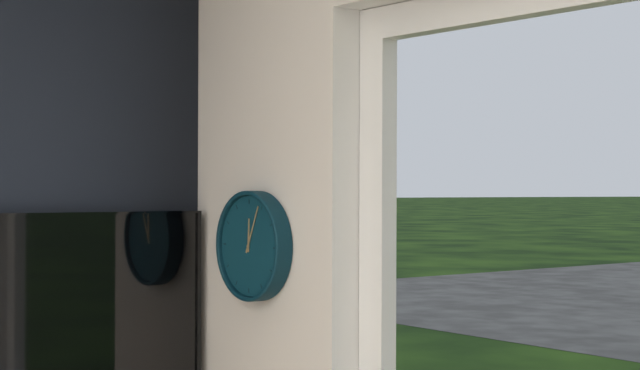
12:04
